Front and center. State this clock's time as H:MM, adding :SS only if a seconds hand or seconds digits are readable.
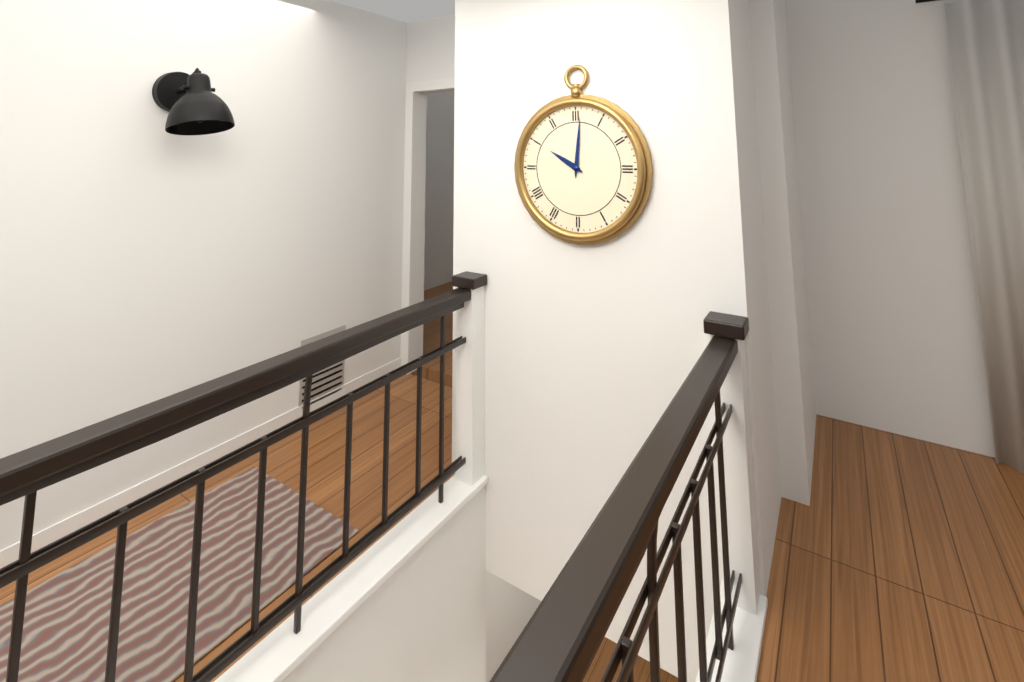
10:01
